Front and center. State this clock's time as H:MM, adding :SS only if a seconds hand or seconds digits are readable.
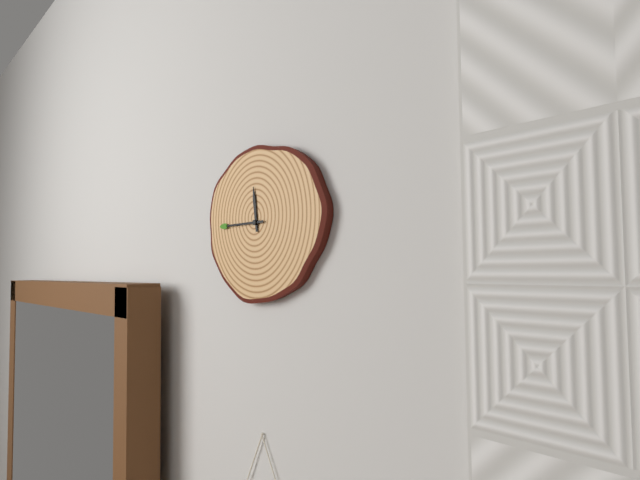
11:45
